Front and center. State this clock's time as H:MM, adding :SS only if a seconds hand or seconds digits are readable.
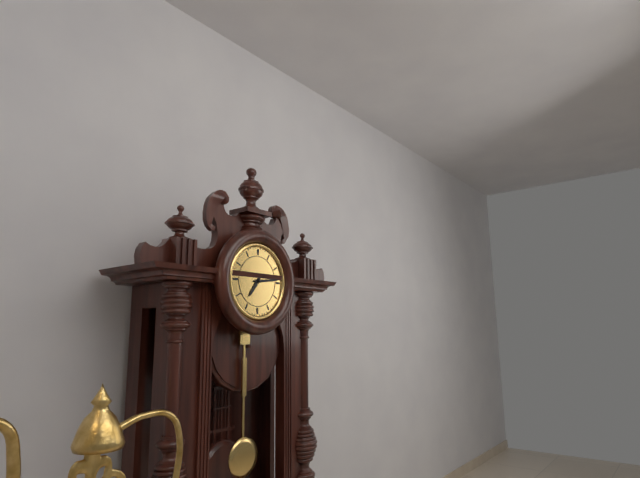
7:14
